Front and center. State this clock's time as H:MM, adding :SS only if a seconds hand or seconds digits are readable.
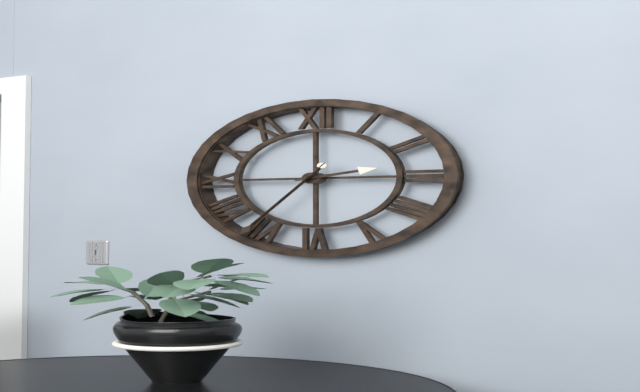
2:36:36
